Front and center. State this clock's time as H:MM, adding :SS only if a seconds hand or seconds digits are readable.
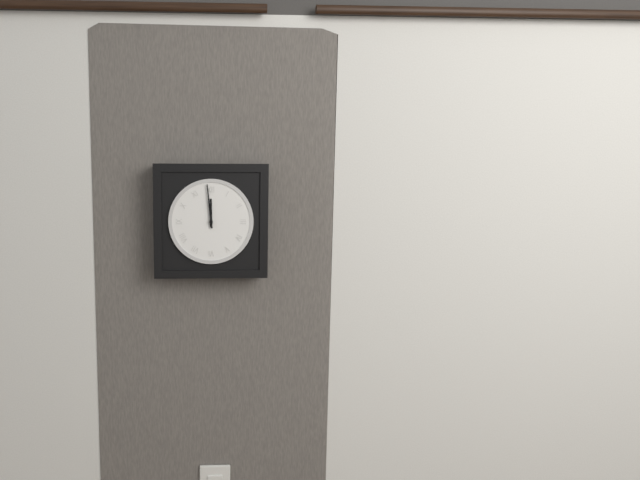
11:59
